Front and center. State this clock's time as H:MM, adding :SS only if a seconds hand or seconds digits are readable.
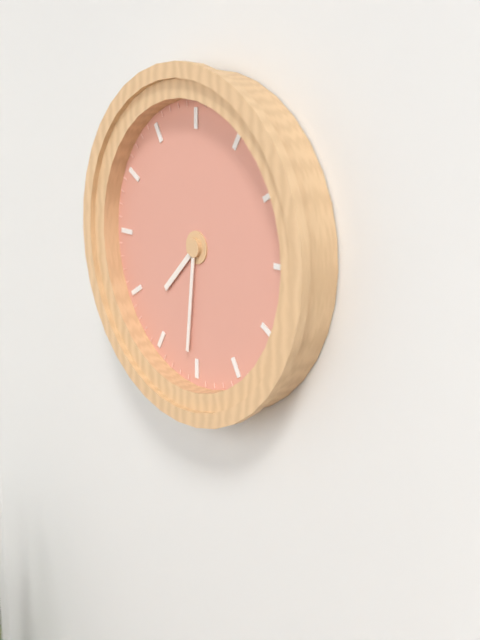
7:31
